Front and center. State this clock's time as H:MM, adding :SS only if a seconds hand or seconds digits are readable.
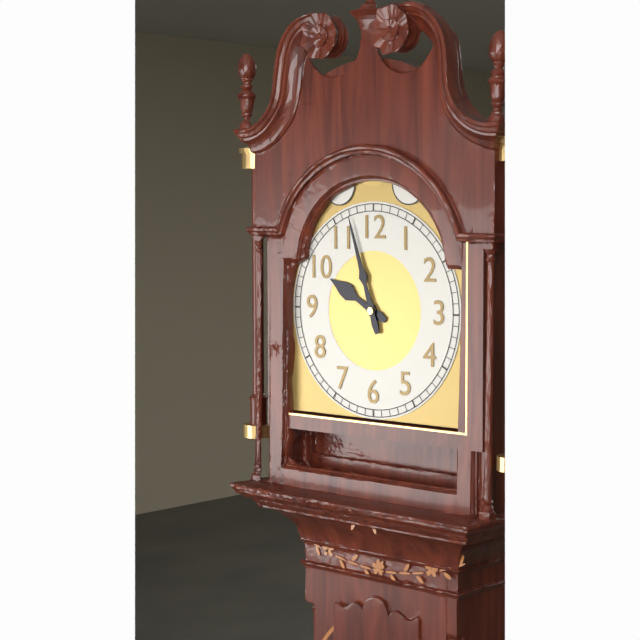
9:57
